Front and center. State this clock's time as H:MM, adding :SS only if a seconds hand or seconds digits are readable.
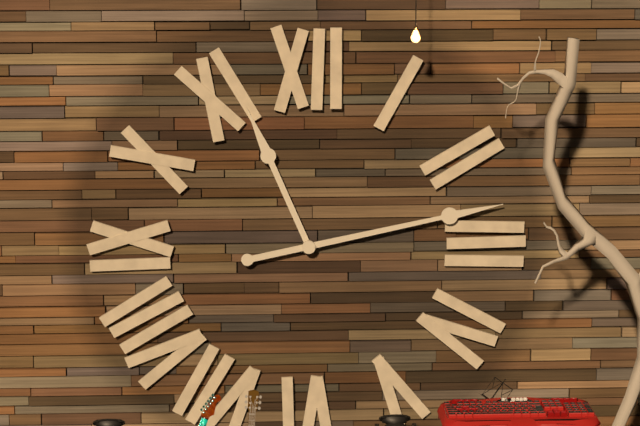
11:13
